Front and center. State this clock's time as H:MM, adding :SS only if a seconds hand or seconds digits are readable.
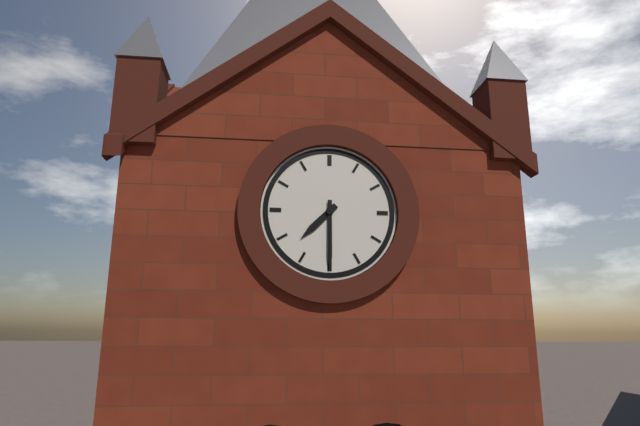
7:30
